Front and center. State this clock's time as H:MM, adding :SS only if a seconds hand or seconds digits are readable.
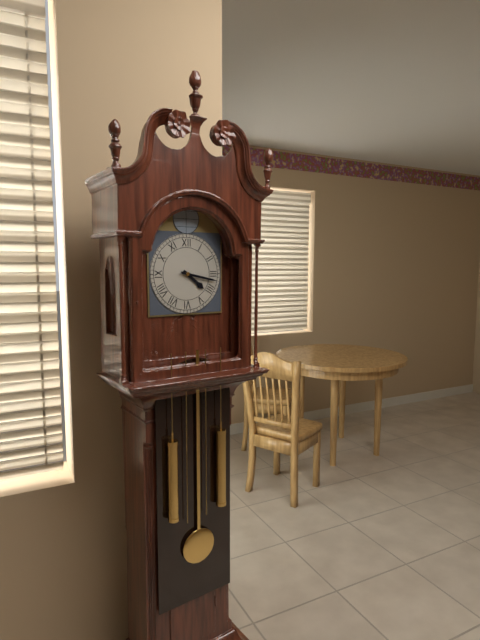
4:17
